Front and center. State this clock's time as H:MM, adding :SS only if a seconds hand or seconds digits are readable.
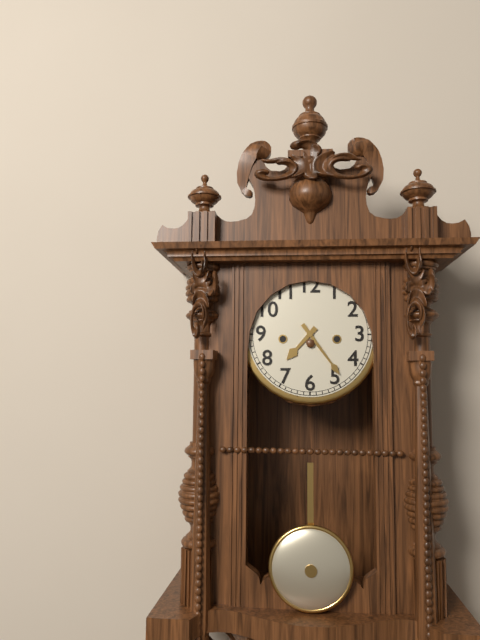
7:24
